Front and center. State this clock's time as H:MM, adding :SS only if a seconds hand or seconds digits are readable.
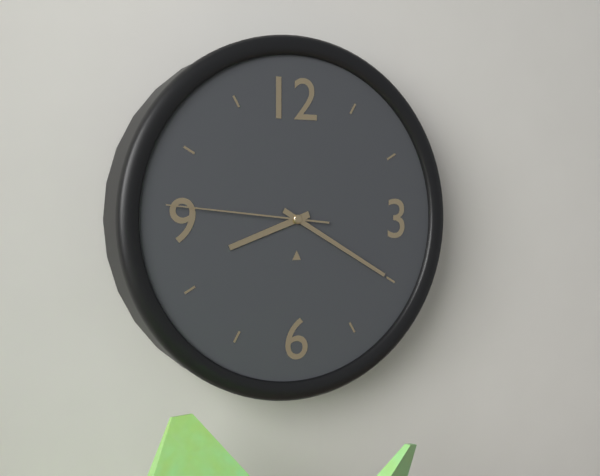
8:20:46
